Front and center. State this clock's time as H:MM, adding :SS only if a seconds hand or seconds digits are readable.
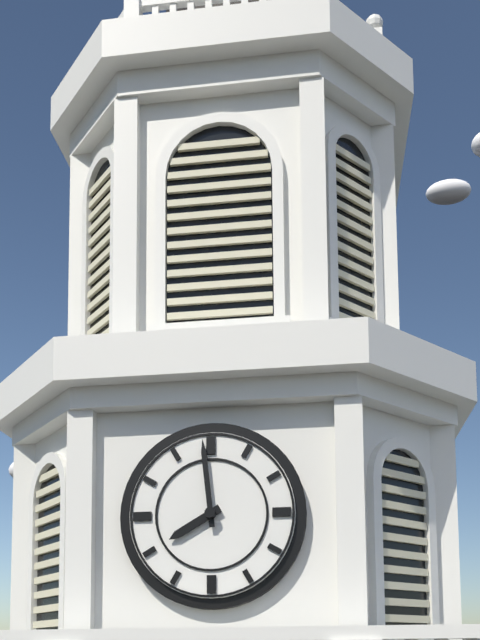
7:59
